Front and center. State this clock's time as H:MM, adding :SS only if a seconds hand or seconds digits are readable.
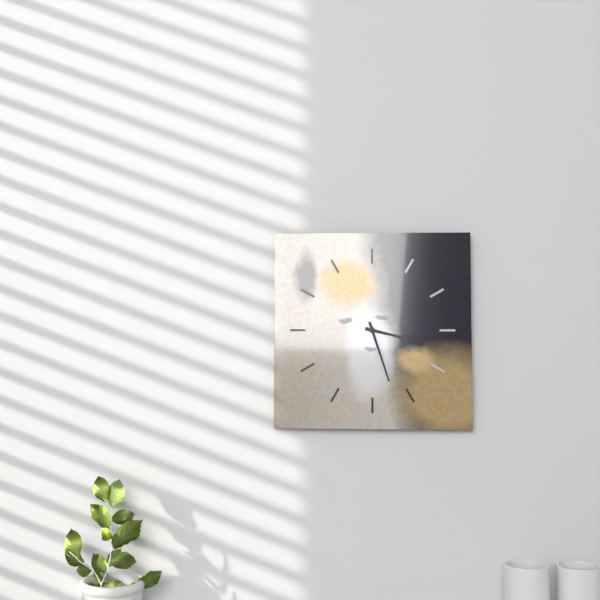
3:27
